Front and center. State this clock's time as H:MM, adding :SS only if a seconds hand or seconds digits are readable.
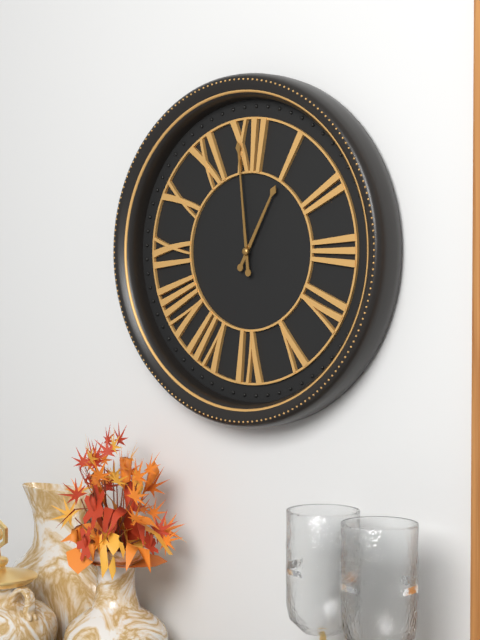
12:59
